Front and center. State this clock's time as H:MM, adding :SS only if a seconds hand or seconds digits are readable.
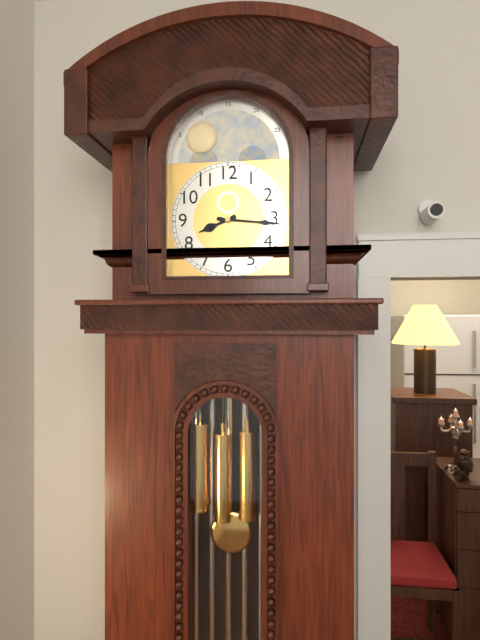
8:16
